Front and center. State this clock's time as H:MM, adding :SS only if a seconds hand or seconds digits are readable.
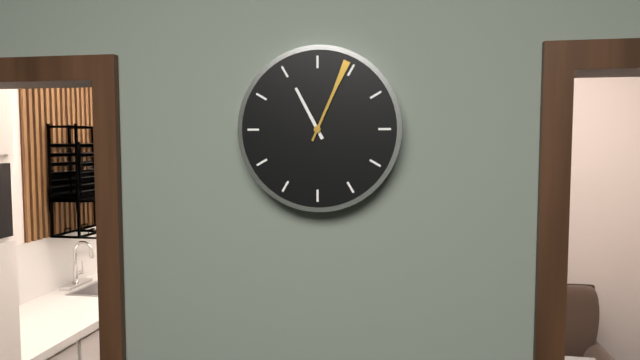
11:04
